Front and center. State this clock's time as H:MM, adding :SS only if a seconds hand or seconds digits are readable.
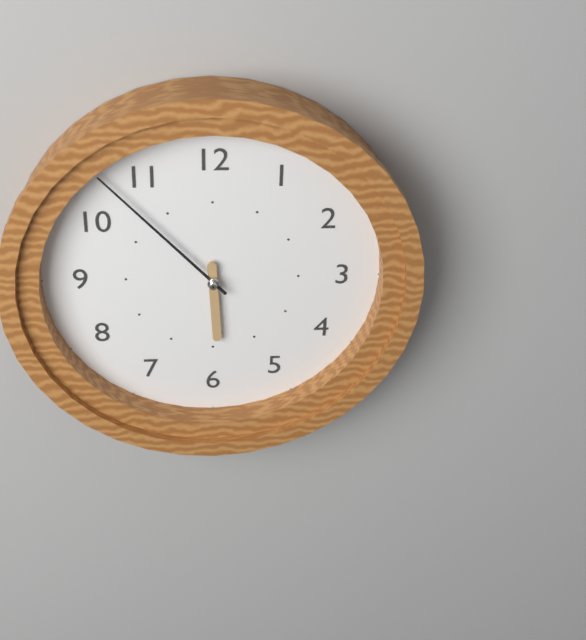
5:53
